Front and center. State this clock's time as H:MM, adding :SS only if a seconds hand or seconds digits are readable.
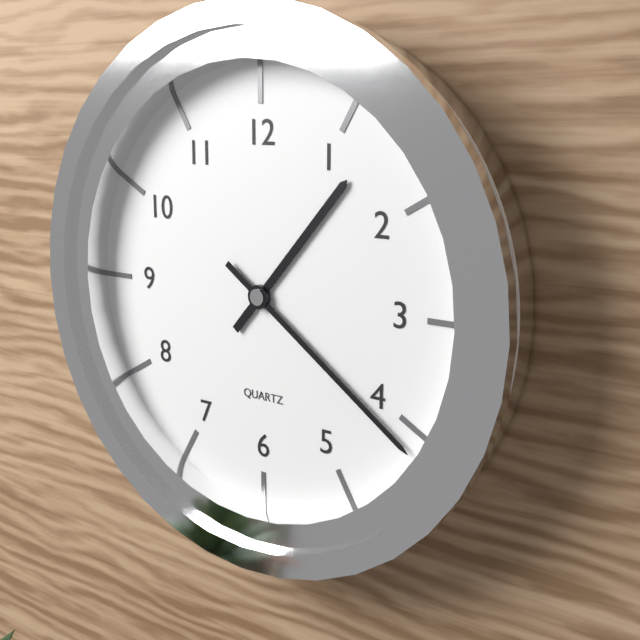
1:21
